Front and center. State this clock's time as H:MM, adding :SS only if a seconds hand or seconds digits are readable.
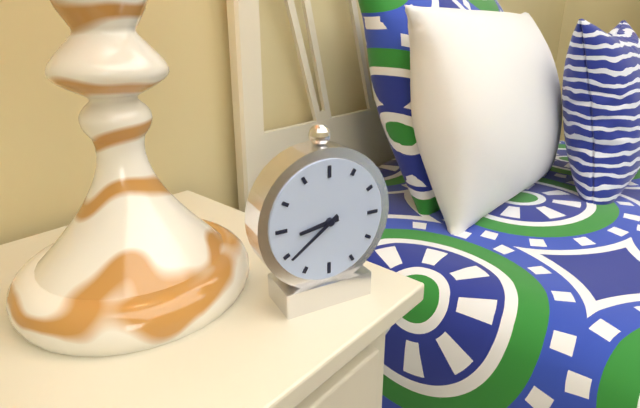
8:39
